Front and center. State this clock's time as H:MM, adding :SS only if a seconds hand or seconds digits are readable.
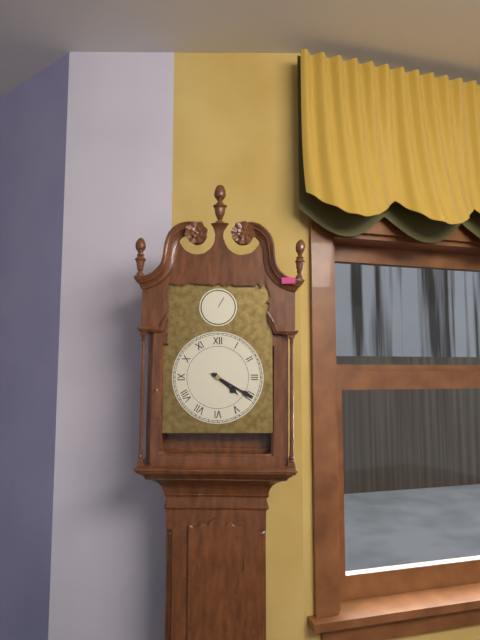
4:20
